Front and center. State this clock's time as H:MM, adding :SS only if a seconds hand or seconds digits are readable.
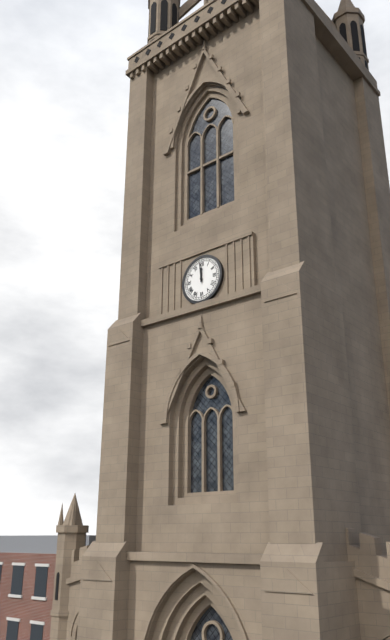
11:59
